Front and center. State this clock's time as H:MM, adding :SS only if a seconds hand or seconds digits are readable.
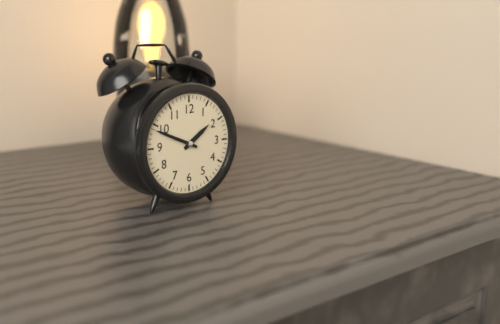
1:49
